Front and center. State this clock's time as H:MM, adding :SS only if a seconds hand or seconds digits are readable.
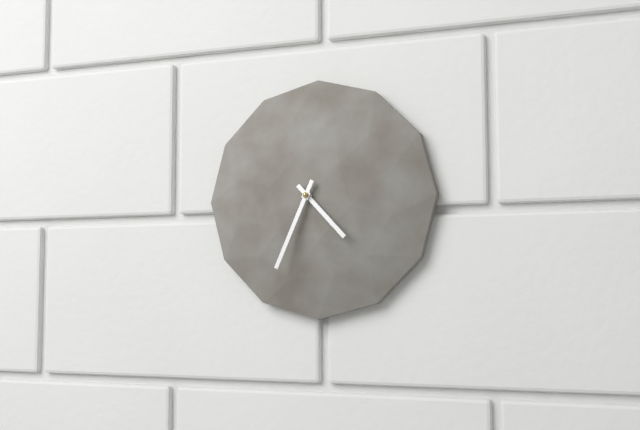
4:34
